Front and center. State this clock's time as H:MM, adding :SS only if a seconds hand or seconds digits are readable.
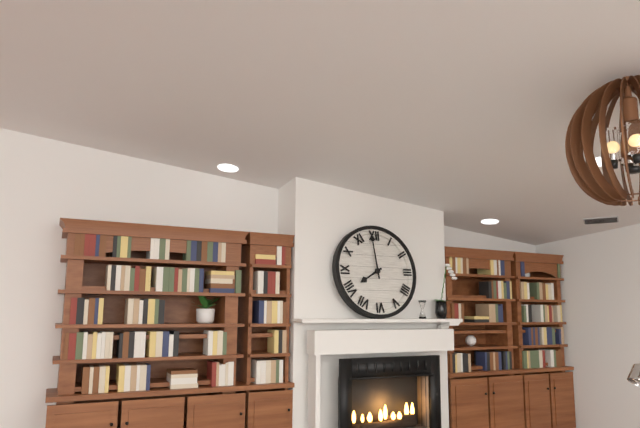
7:59
